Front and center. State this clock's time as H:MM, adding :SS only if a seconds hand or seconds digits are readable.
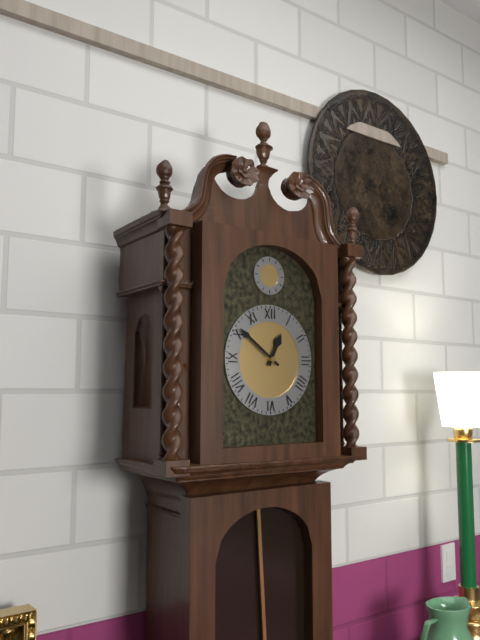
12:51
